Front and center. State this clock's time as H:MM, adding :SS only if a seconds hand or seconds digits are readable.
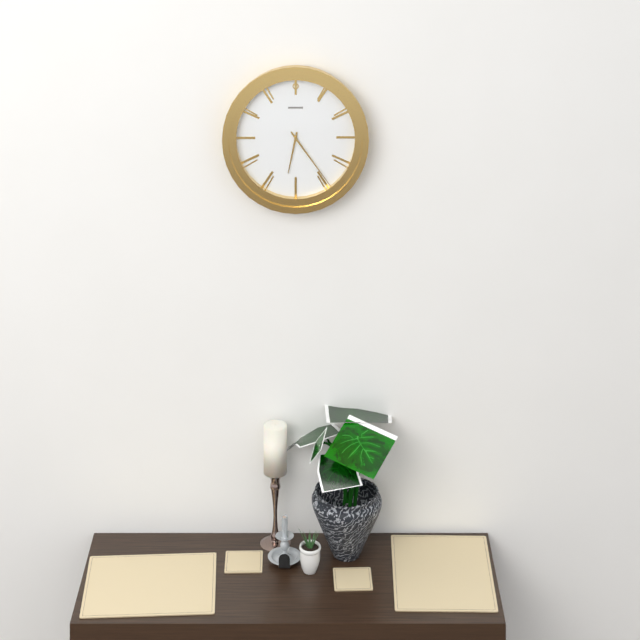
6:24
